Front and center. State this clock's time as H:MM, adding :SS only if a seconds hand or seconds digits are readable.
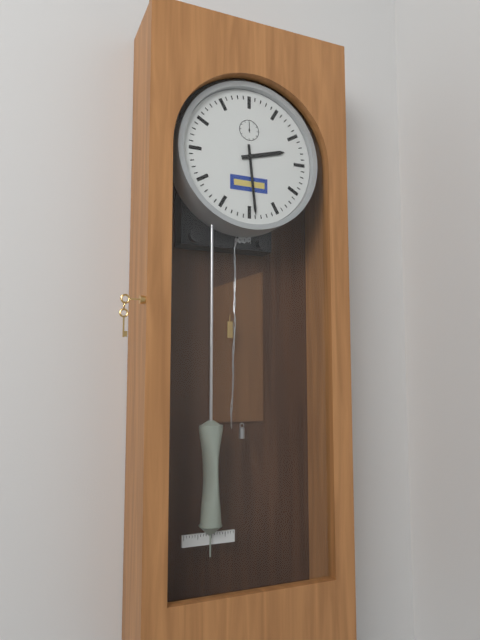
2:29
